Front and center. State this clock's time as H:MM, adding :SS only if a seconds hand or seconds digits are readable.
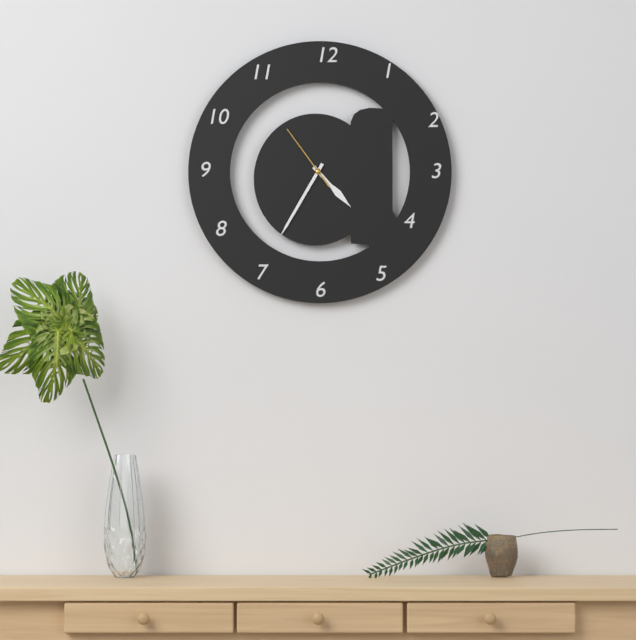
4:35:54
